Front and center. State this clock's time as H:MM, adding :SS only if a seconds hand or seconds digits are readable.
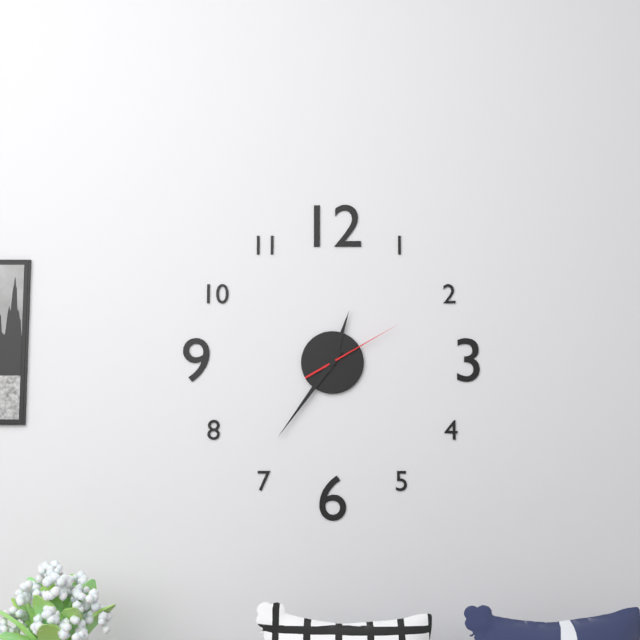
12:36:10
